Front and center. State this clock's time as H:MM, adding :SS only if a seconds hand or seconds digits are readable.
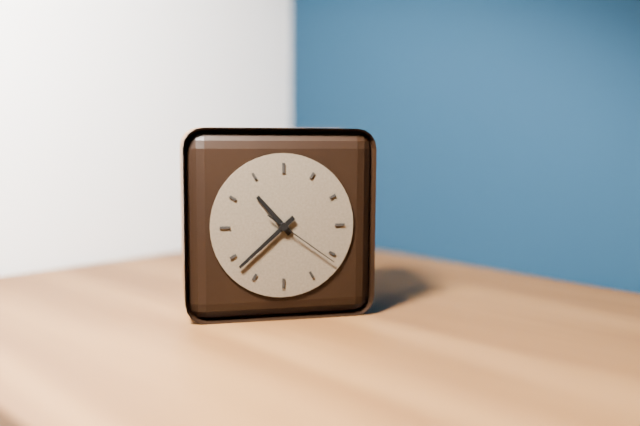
10:38:21
